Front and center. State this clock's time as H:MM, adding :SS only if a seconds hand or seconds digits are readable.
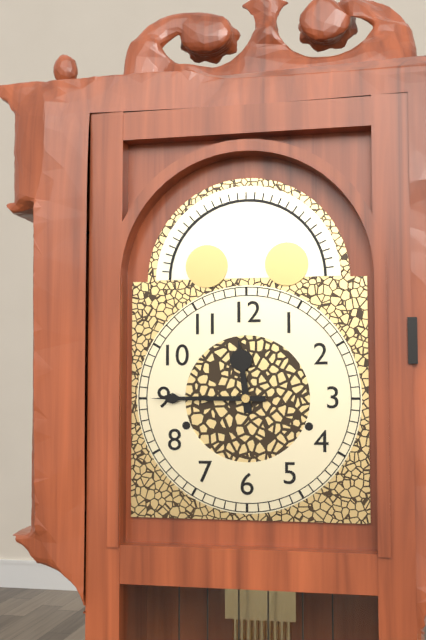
11:45
